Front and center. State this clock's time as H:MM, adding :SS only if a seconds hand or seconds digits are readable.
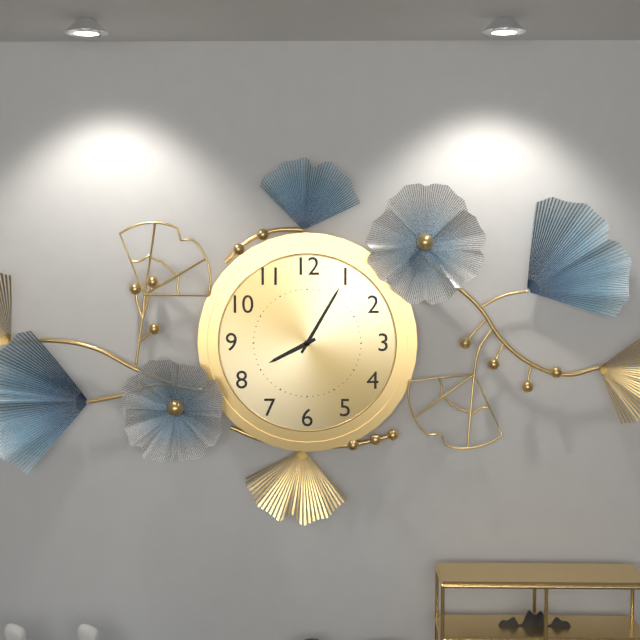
8:05
